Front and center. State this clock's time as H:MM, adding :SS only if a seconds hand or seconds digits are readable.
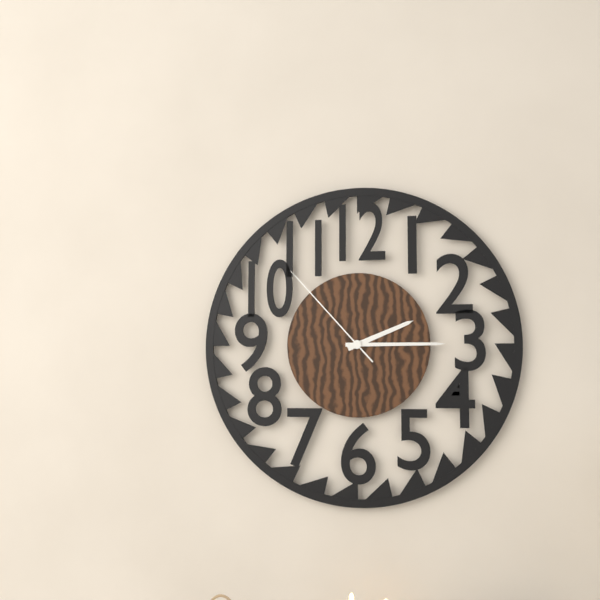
2:15:53
